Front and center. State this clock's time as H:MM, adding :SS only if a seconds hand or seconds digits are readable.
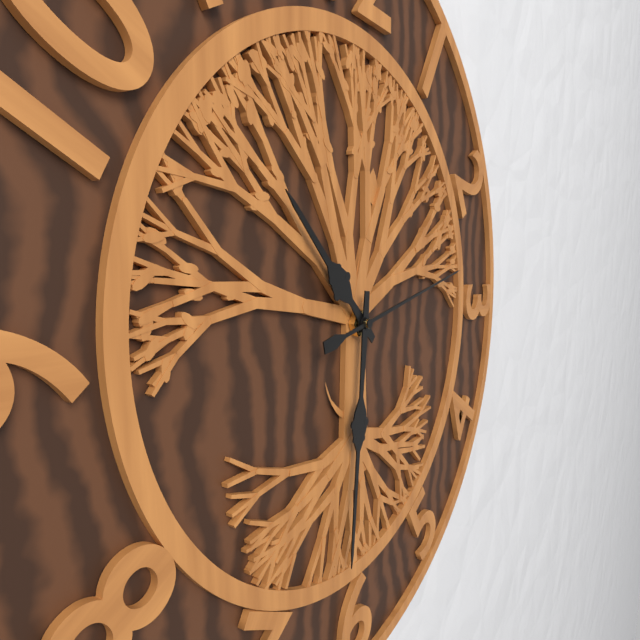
10:31:13
